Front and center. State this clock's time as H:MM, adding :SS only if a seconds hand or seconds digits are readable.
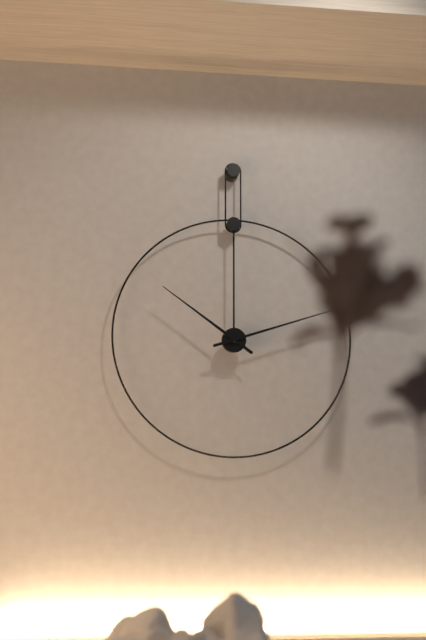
10:12
